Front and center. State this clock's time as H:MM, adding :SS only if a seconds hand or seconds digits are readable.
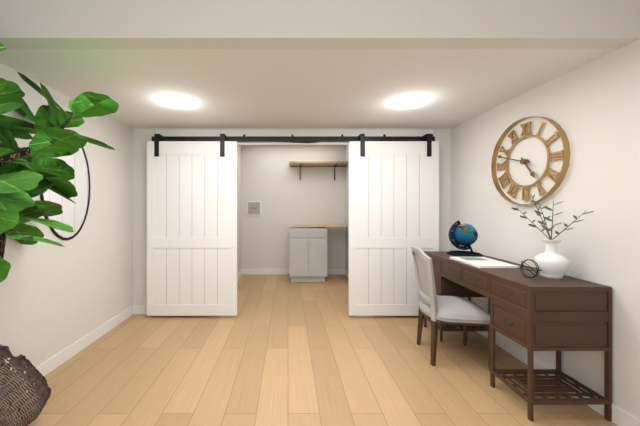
4:48
